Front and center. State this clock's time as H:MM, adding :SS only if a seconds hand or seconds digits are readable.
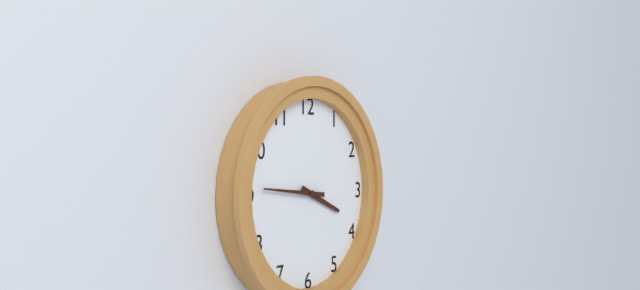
3:46
